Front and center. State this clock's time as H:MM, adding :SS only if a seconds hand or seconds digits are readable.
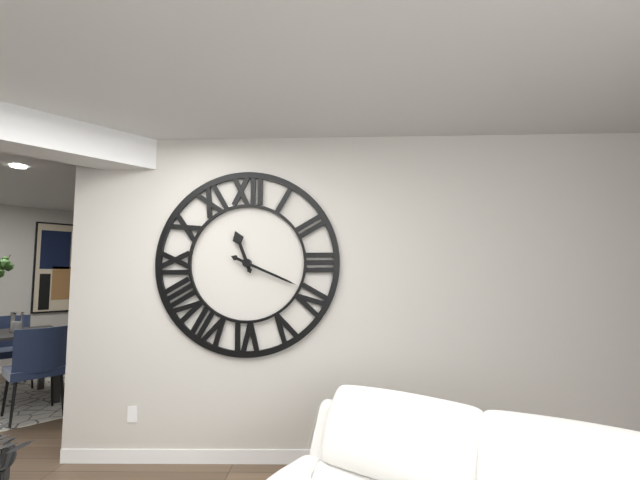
11:19
